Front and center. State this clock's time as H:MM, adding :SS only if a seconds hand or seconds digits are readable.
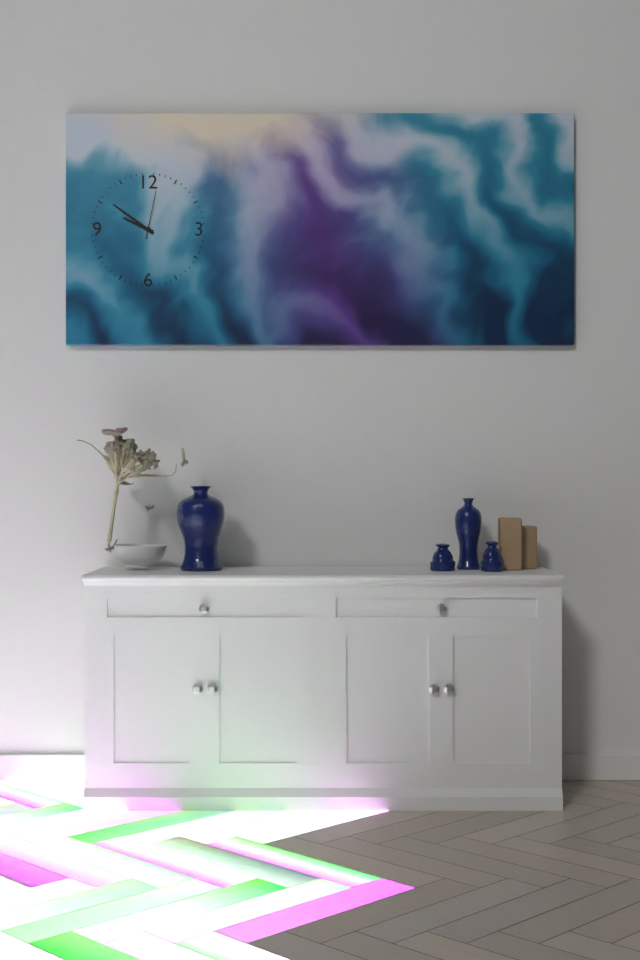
9:51
